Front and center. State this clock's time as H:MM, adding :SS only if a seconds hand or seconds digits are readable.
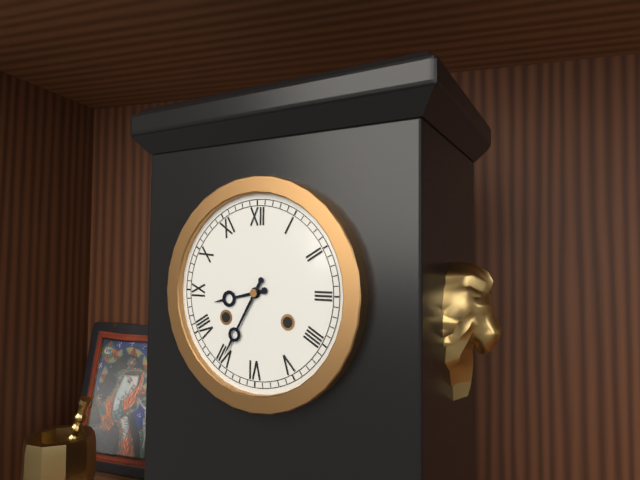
8:35
